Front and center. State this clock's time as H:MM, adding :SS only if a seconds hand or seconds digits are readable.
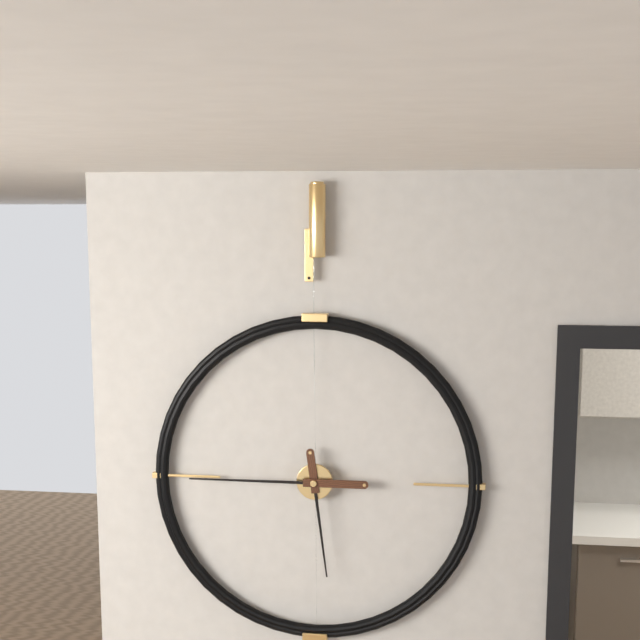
5:45
